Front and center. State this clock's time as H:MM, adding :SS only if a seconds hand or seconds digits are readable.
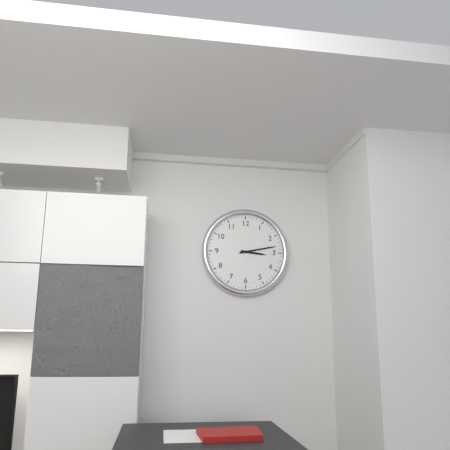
3:13
